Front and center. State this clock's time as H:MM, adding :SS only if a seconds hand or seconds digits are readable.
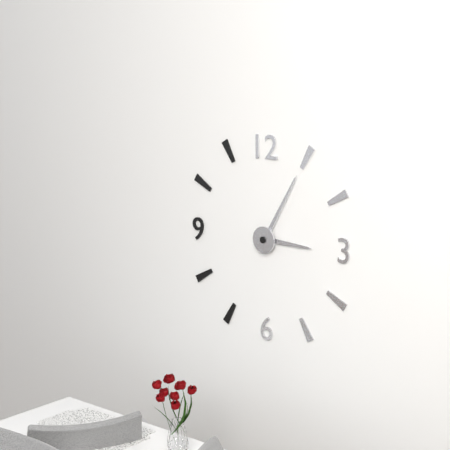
3:05
